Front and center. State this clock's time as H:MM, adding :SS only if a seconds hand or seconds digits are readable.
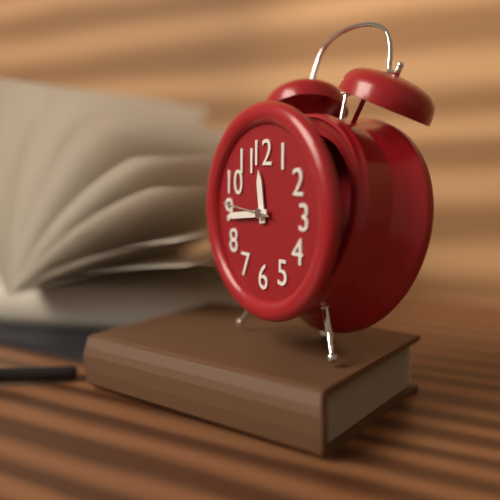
11:44
